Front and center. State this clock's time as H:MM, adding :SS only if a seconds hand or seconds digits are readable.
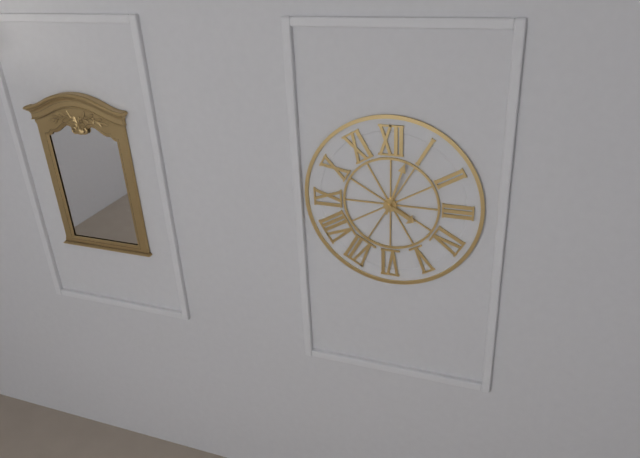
4:03
